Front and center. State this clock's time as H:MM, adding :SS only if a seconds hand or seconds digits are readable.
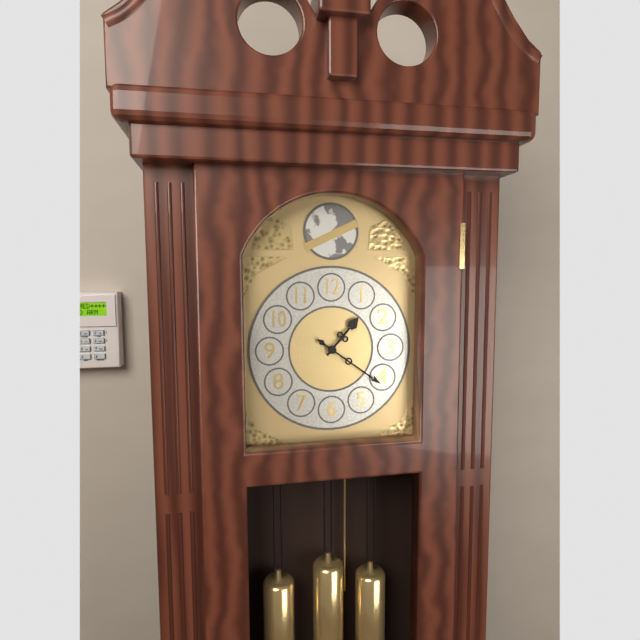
1:21
